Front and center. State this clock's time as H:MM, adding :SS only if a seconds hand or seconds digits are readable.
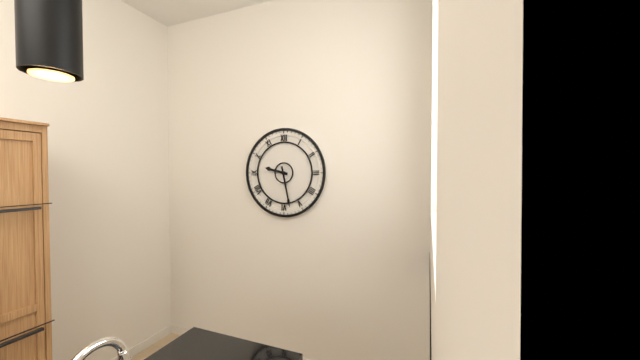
9:28
